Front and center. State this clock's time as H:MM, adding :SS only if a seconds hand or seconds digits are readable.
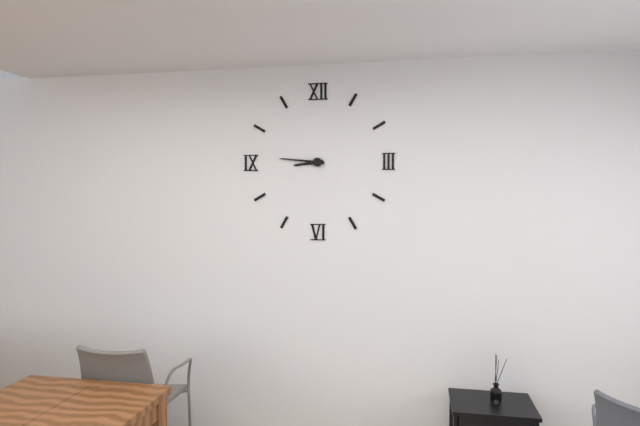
8:46
